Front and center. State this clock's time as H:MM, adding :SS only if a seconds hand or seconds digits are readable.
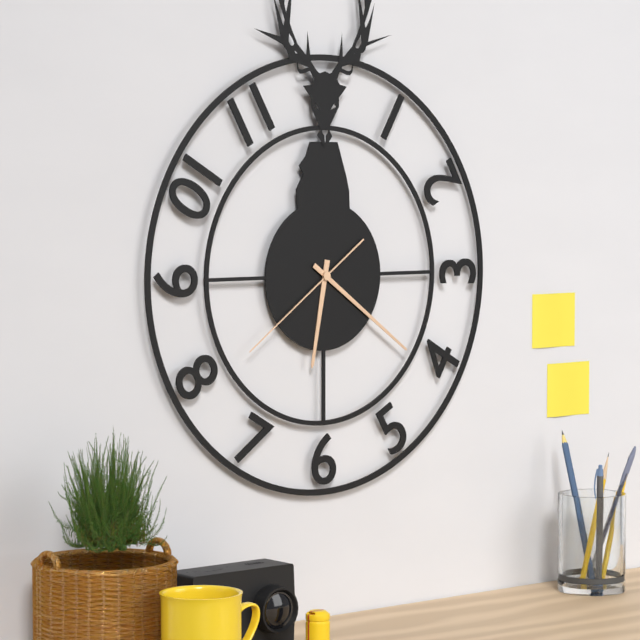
6:21:39
